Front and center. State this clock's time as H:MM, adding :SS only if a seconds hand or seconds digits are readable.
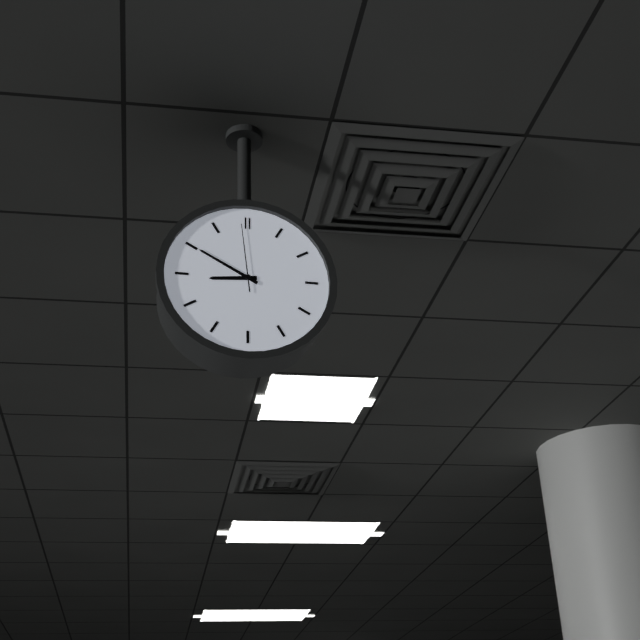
8:50:59
